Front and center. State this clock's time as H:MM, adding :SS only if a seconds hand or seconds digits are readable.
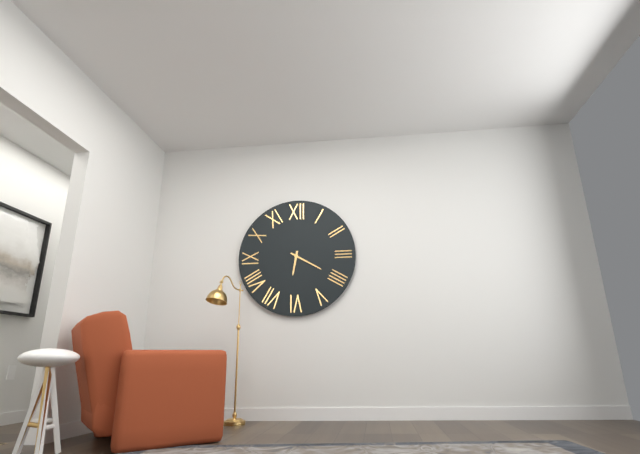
6:20
